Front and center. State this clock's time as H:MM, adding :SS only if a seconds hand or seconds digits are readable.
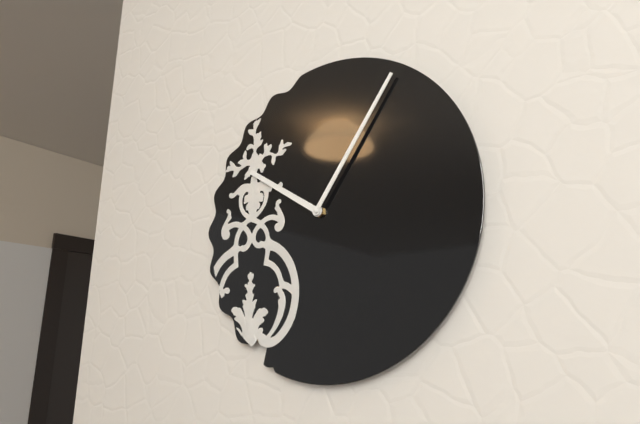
10:06
